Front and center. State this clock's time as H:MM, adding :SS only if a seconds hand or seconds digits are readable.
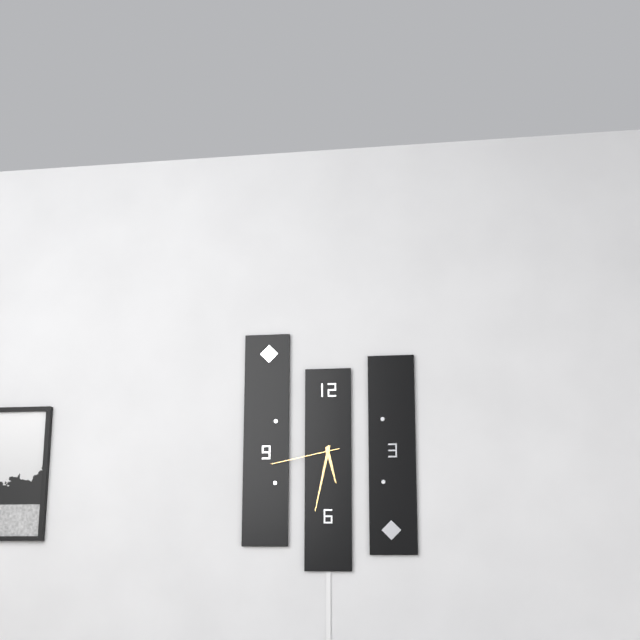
5:32:43
